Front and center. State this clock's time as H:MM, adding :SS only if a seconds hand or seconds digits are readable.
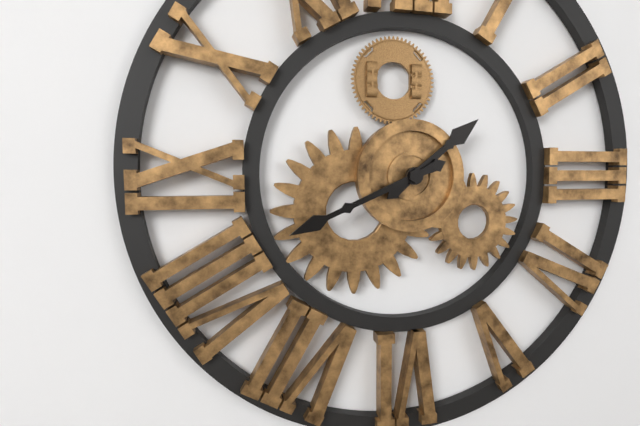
1:41
